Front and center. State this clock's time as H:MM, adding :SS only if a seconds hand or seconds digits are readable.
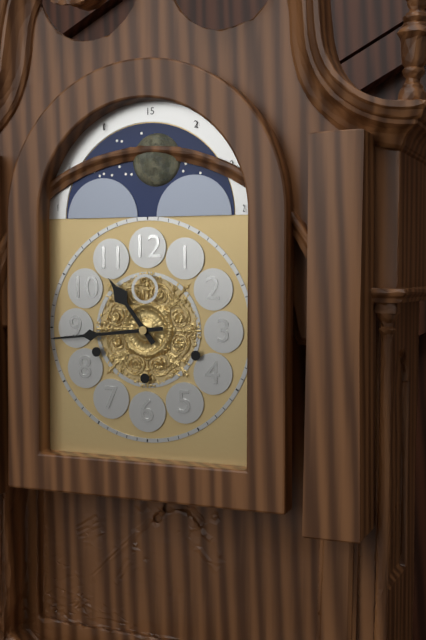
10:44
